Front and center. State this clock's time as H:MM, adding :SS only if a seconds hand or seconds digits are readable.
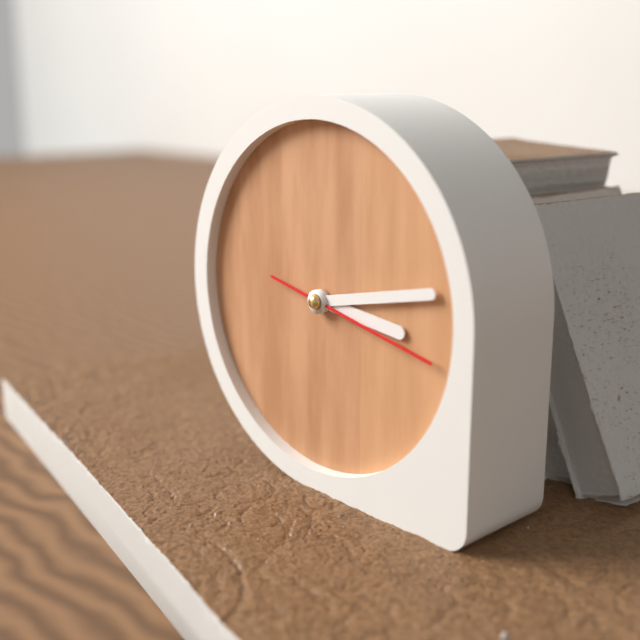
3:13:17
